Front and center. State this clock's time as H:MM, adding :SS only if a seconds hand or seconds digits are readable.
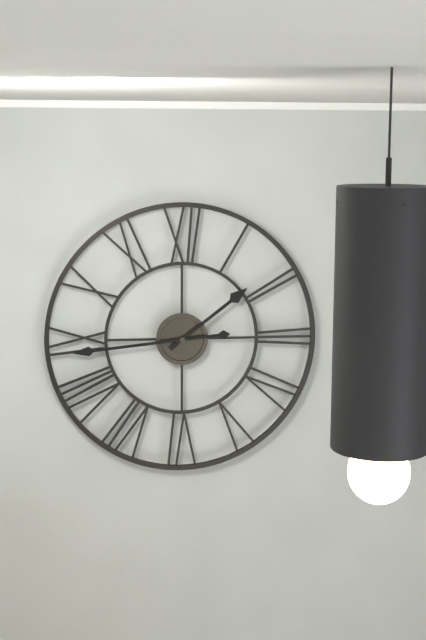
1:44
